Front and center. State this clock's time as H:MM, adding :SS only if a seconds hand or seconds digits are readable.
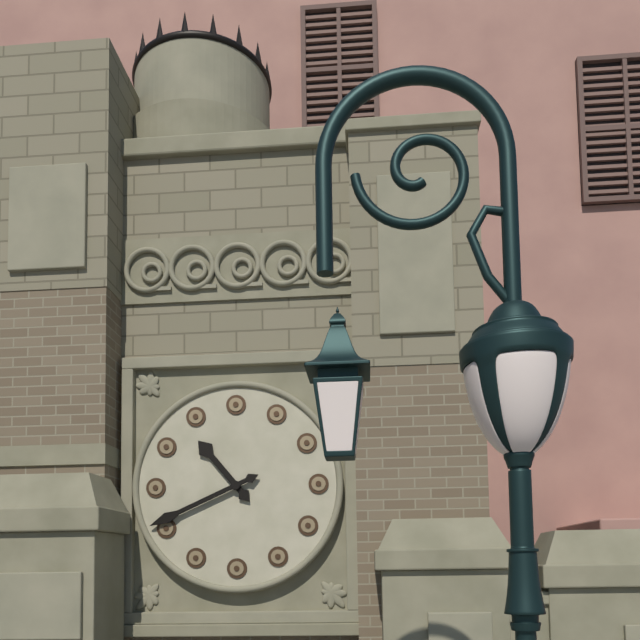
10:41
